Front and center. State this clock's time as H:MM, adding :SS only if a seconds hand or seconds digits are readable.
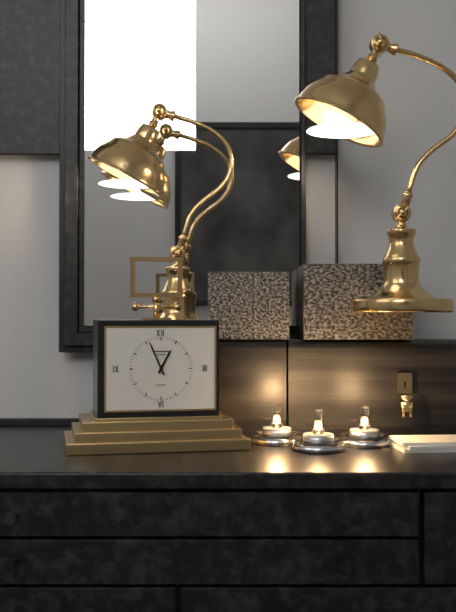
12:56
